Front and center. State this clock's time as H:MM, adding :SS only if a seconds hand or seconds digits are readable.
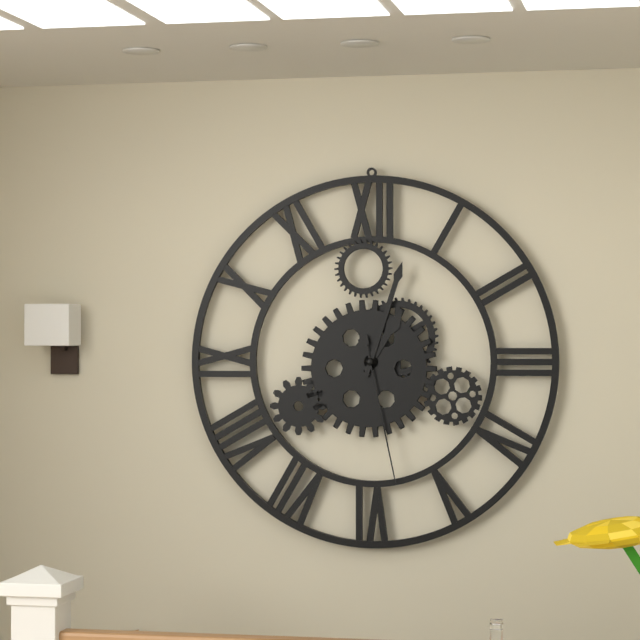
1:03:28
